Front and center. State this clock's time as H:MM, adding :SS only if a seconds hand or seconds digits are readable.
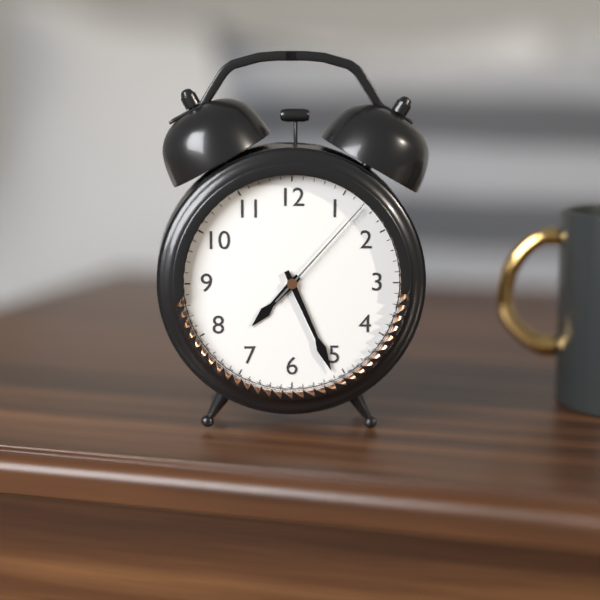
7:26:07
